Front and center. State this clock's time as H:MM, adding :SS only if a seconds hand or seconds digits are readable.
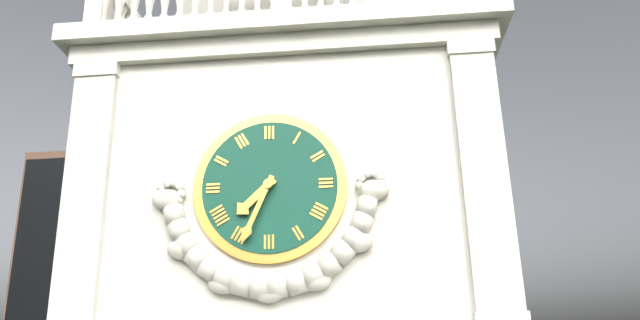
7:34
